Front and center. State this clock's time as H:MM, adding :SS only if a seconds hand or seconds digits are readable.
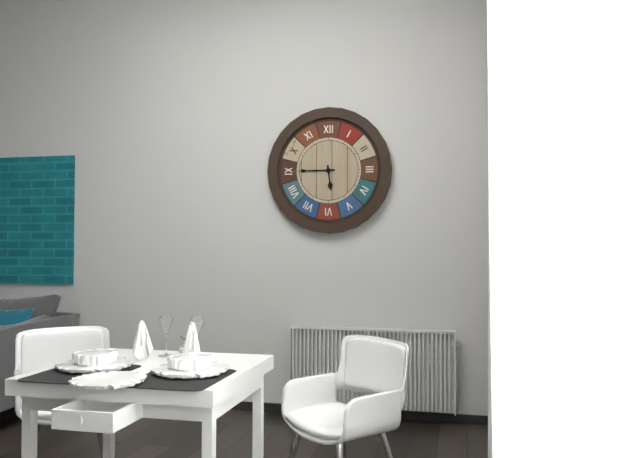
5:45
